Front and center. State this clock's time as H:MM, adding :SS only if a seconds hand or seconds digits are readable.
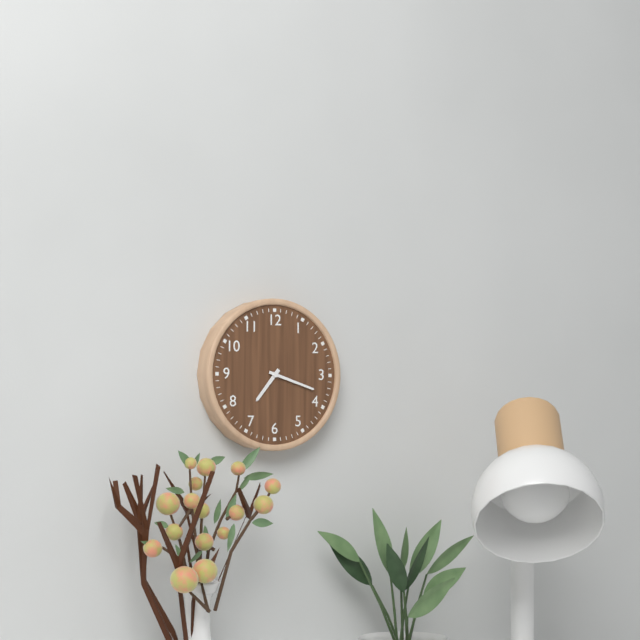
7:18
